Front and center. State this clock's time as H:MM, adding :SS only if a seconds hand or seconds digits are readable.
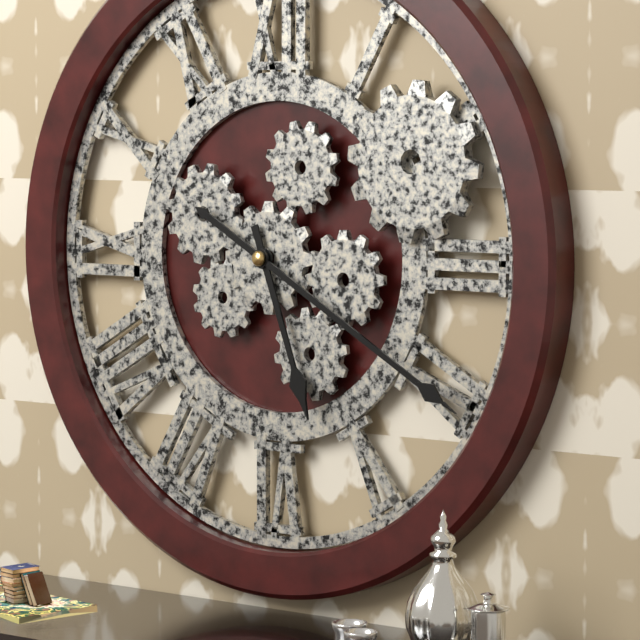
5:20
